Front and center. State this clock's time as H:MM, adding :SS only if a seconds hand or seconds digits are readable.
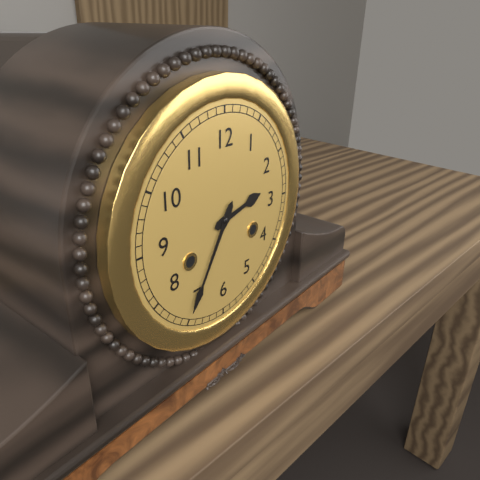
2:35
